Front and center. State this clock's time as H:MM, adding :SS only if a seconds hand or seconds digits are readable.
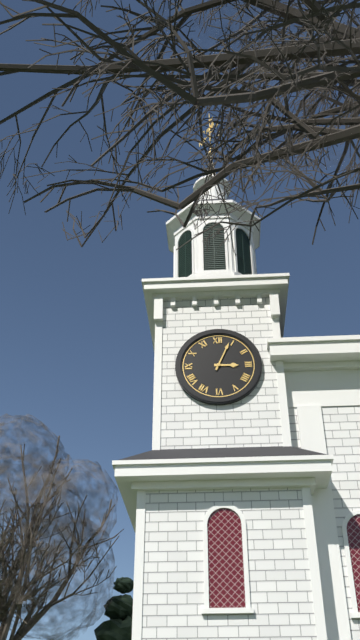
3:04
